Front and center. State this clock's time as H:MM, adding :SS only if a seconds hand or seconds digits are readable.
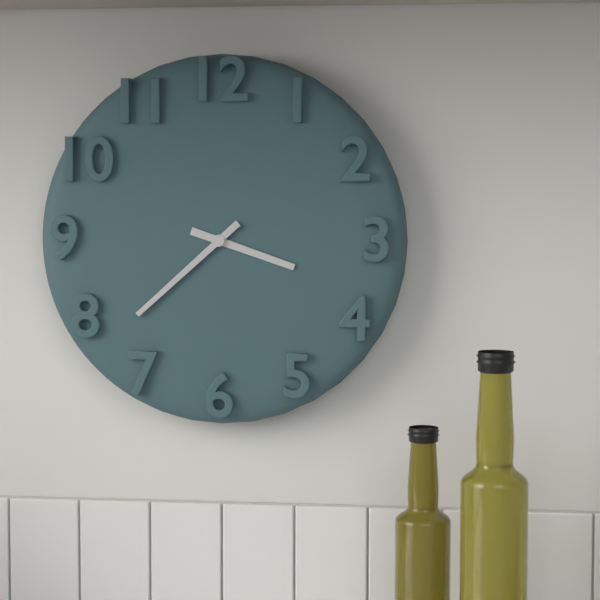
3:38
